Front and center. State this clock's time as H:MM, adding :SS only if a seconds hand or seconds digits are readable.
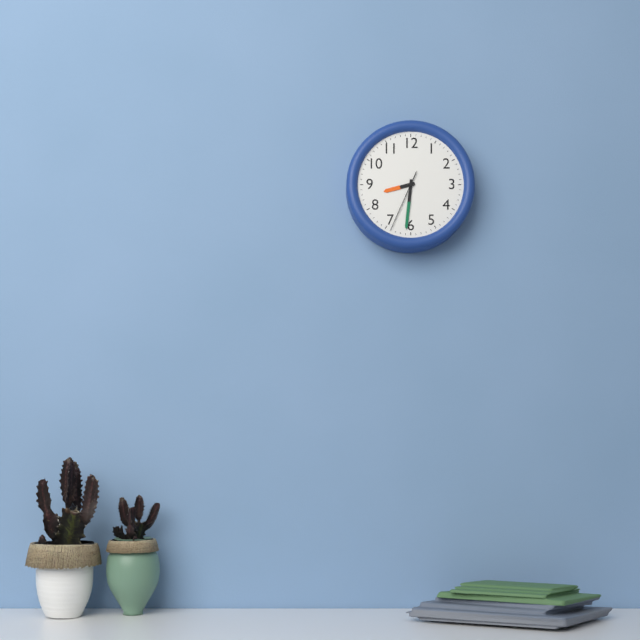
8:31:34
